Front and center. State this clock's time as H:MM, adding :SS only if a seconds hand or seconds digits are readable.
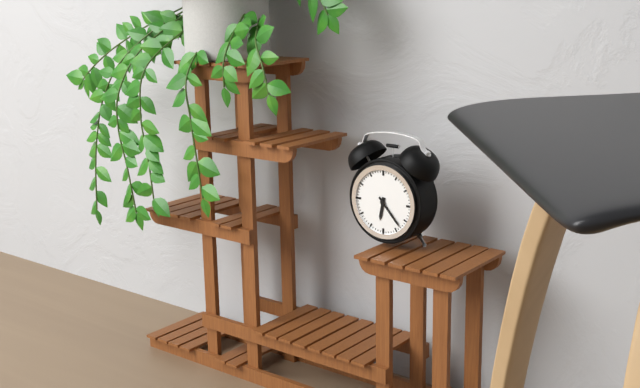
6:23
